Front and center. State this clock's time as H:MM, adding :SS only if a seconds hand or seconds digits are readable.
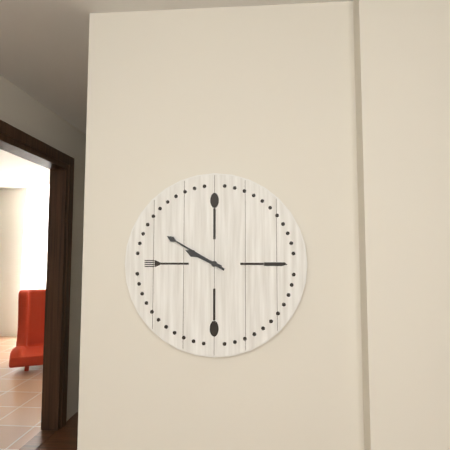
9:50
